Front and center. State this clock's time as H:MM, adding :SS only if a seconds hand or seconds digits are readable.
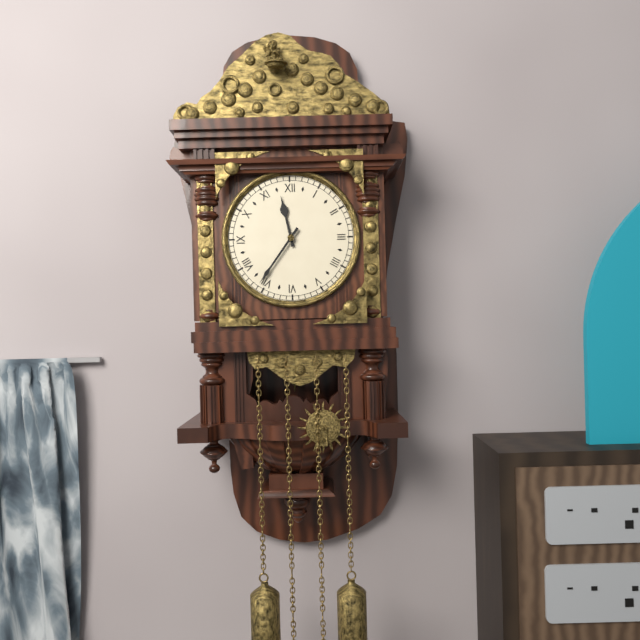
11:36
